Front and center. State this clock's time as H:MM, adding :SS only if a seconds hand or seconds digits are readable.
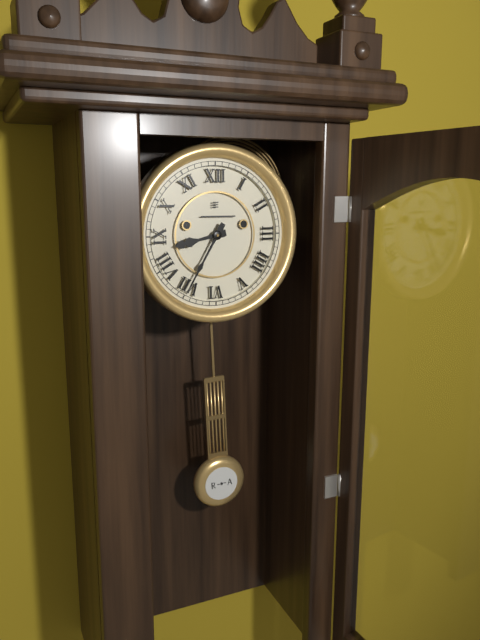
8:35
